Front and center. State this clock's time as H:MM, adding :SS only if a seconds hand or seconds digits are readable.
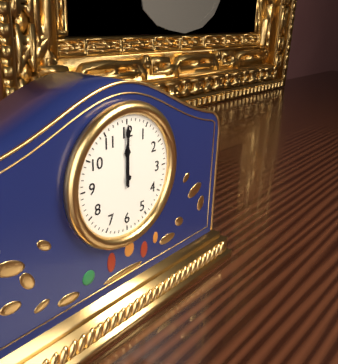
12:00
